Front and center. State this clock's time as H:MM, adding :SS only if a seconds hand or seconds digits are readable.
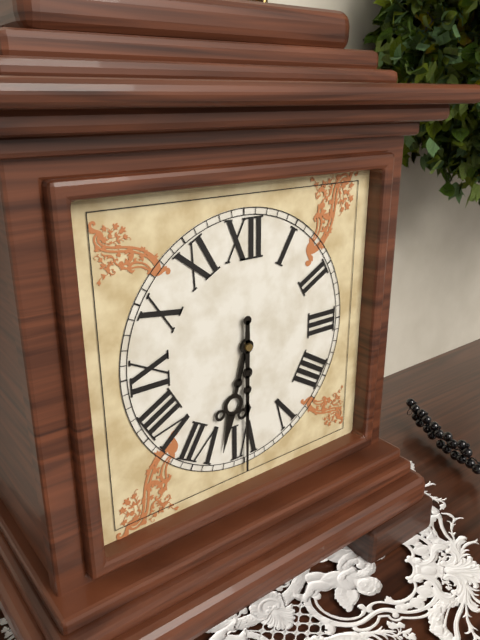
6:30
